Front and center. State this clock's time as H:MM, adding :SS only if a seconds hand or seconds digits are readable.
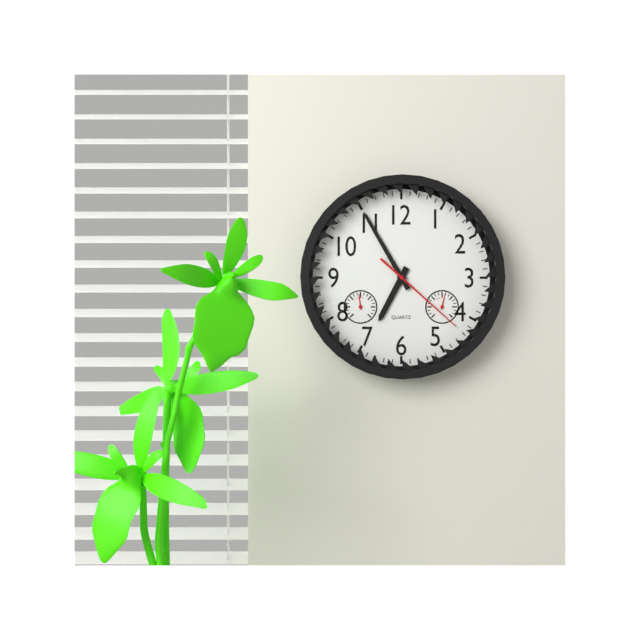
6:55:22
